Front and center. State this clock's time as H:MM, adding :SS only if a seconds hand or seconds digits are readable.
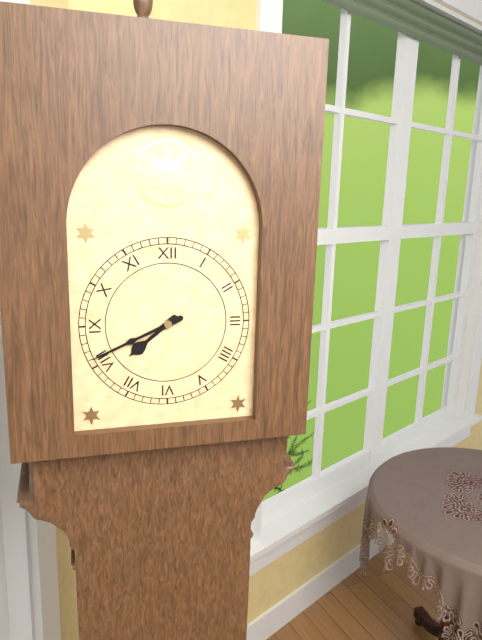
7:41
